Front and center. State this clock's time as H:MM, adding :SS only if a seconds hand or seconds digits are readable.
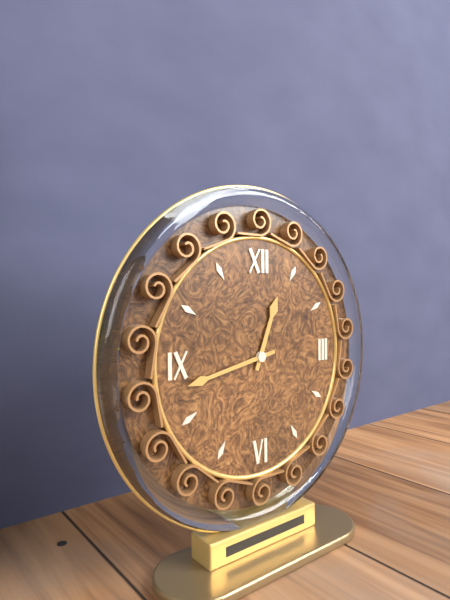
12:43
